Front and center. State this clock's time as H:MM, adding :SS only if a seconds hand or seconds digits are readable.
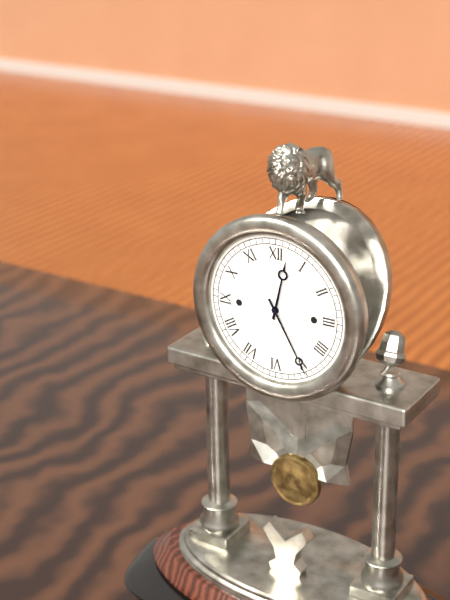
12:25
